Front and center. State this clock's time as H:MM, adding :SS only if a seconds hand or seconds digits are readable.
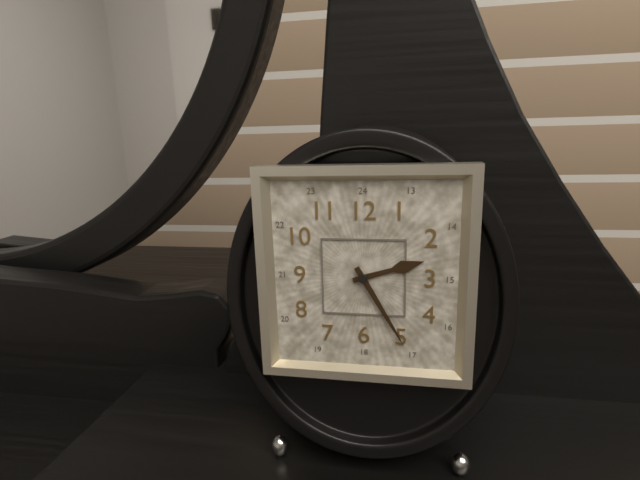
2:25
